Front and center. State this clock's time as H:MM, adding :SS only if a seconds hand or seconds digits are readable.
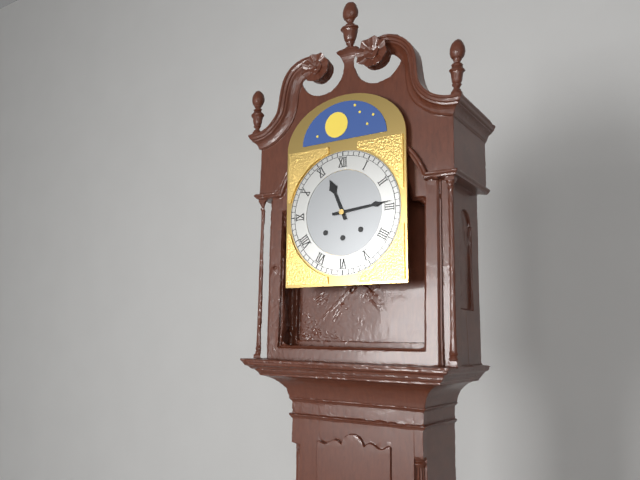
11:14
